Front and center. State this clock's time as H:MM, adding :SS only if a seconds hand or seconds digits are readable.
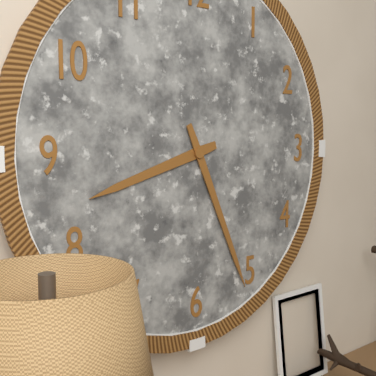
8:26
